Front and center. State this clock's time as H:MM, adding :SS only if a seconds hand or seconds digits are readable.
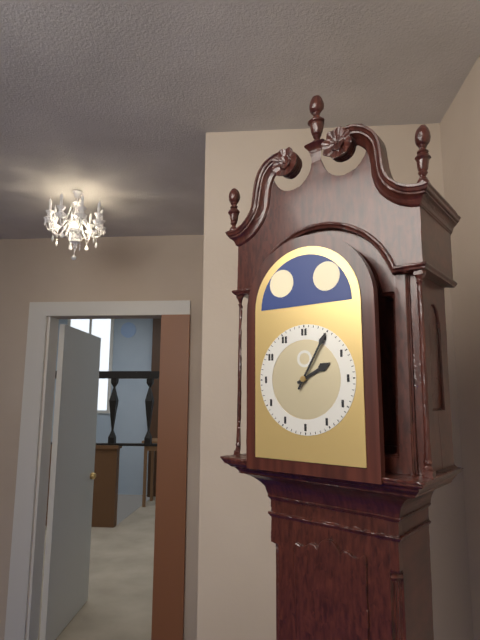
2:05
